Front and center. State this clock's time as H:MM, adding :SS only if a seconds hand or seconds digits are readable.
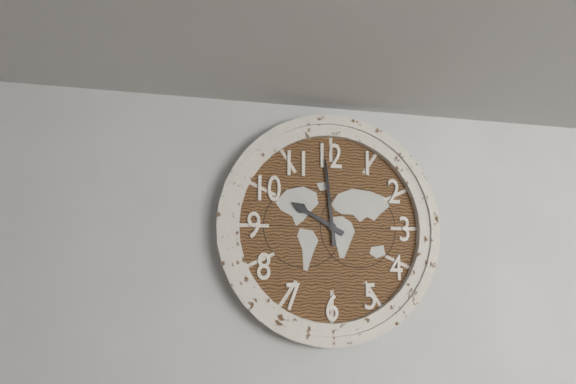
9:59
